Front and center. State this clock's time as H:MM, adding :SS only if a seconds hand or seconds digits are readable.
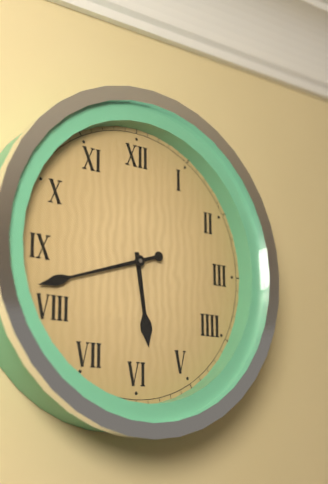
5:42
